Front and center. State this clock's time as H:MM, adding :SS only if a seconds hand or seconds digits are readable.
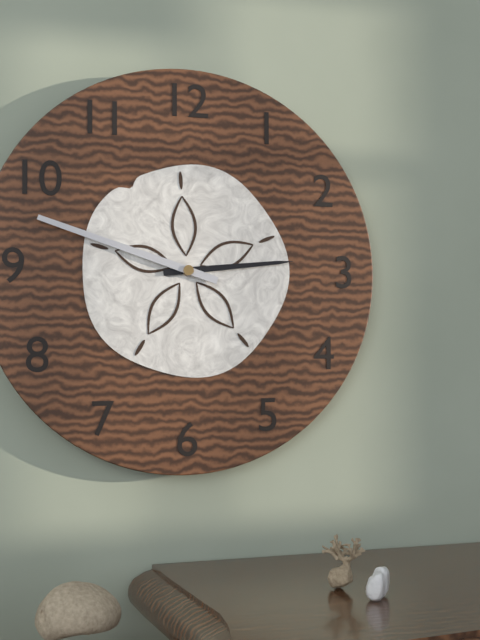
2:48
